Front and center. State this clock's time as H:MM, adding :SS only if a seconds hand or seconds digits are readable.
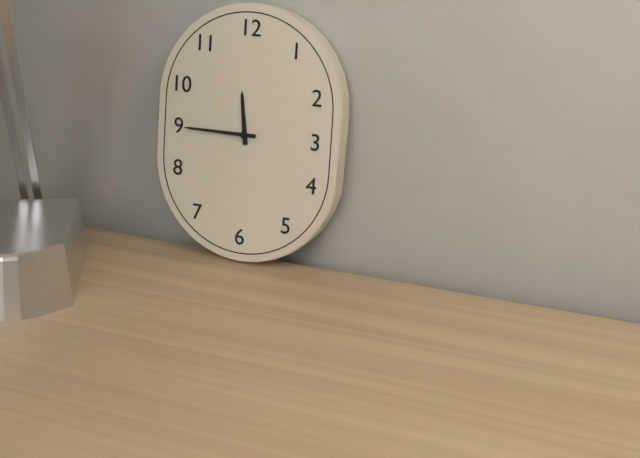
11:45
